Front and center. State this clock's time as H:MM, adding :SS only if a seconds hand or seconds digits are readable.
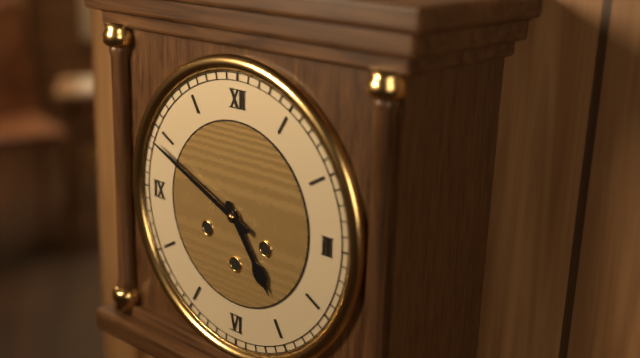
4:49
